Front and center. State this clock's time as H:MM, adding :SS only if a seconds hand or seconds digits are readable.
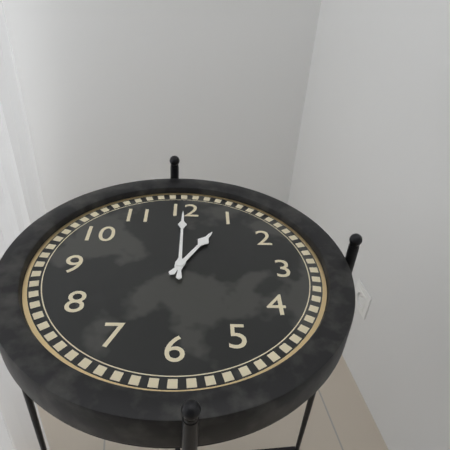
1:00
